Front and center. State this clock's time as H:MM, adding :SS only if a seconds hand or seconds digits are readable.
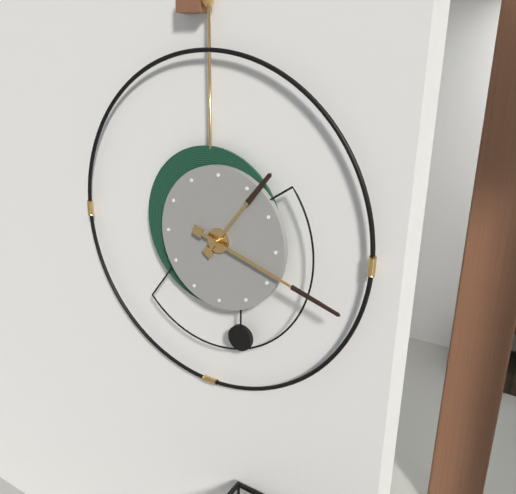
1:18
